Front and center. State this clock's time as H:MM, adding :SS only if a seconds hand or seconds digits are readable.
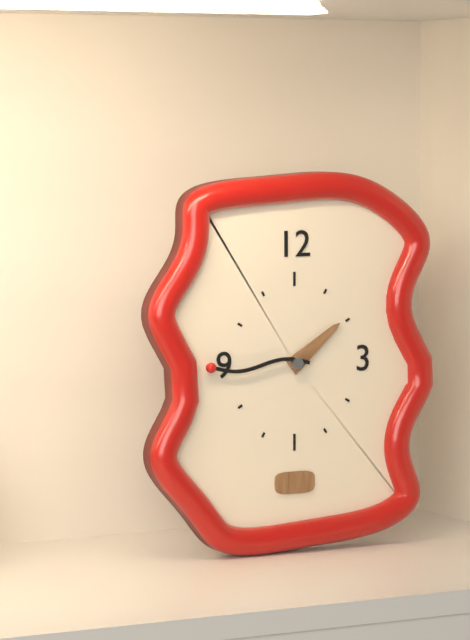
1:45
